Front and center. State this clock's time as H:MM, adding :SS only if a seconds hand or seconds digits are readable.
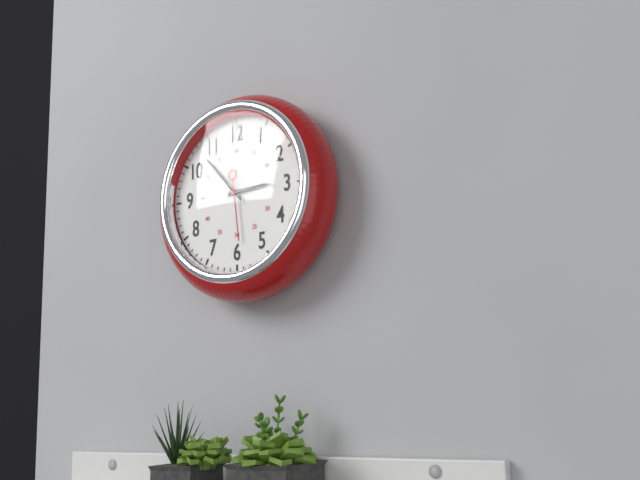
2:53:29
